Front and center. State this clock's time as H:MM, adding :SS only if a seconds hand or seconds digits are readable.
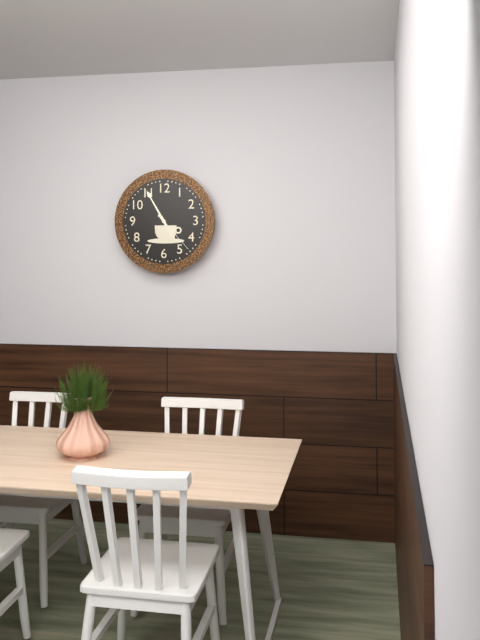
4:55
